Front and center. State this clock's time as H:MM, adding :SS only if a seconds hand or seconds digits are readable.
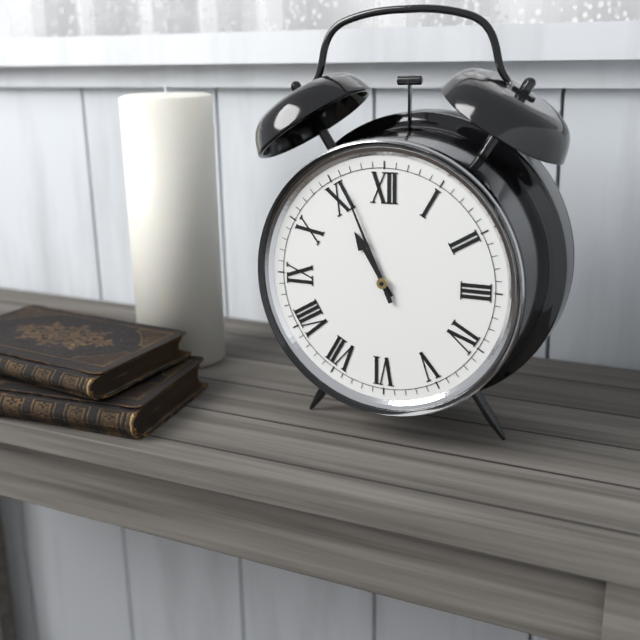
10:56
